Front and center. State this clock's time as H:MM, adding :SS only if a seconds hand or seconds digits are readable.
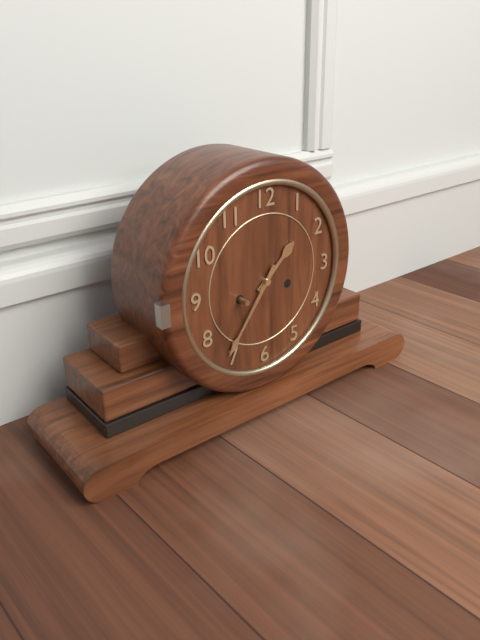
1:36
